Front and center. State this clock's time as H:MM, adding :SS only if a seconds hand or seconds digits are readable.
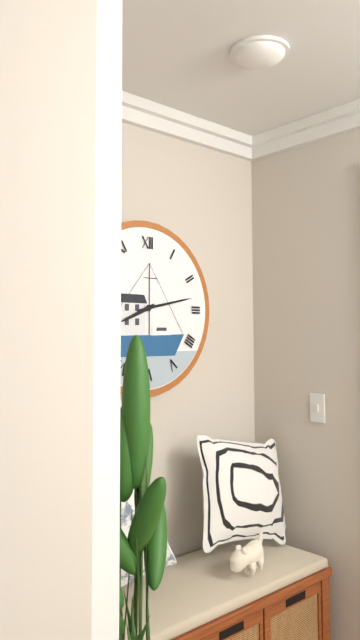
8:13
